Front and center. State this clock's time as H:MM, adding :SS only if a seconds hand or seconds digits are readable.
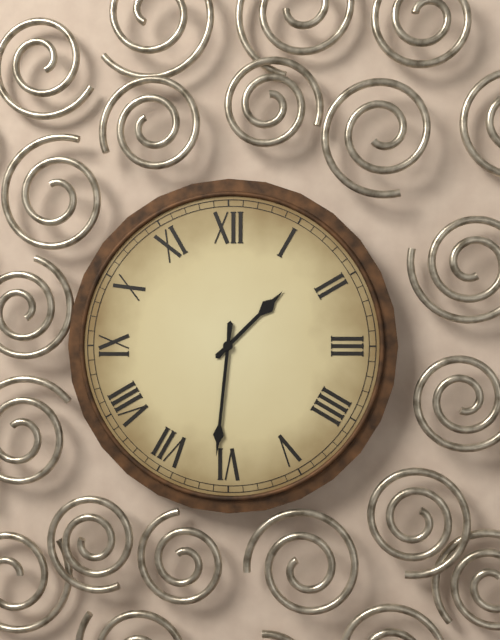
1:31
